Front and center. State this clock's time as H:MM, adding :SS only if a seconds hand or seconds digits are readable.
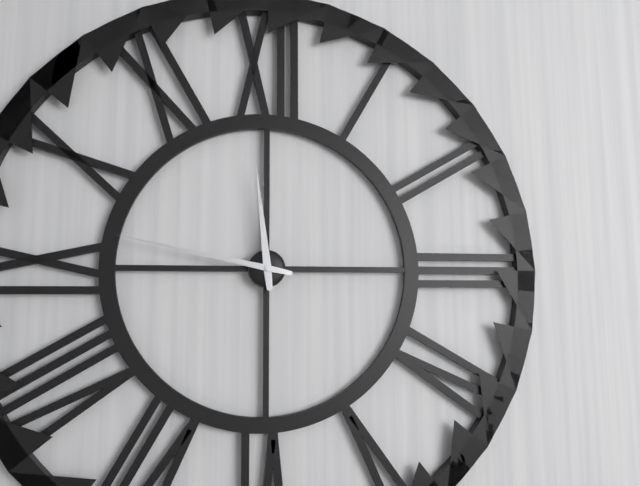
11:47
